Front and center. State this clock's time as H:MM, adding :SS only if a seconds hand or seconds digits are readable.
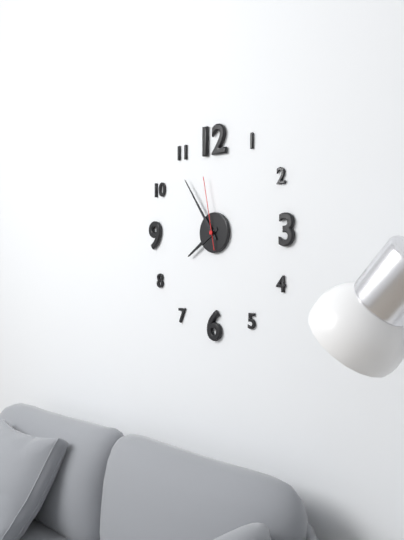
7:54:58
